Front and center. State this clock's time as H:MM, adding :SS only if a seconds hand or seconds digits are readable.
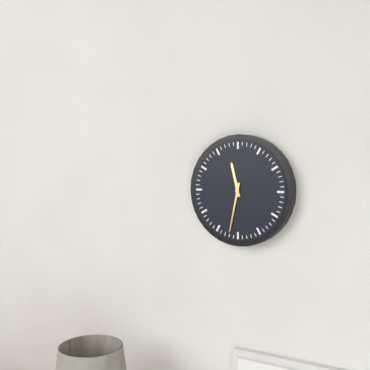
11:32
